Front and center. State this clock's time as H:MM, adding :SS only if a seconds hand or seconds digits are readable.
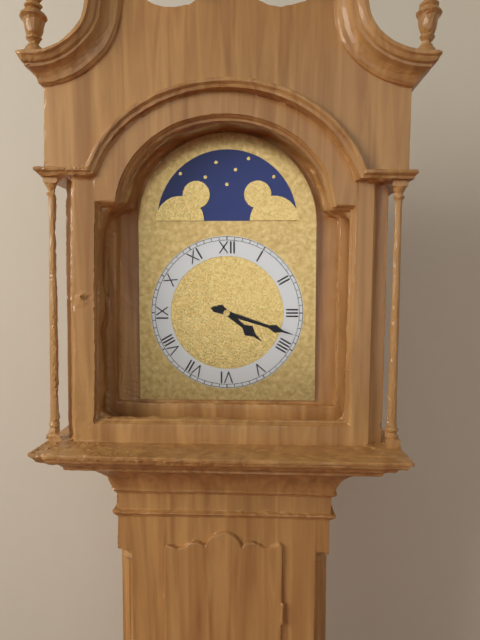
4:18
